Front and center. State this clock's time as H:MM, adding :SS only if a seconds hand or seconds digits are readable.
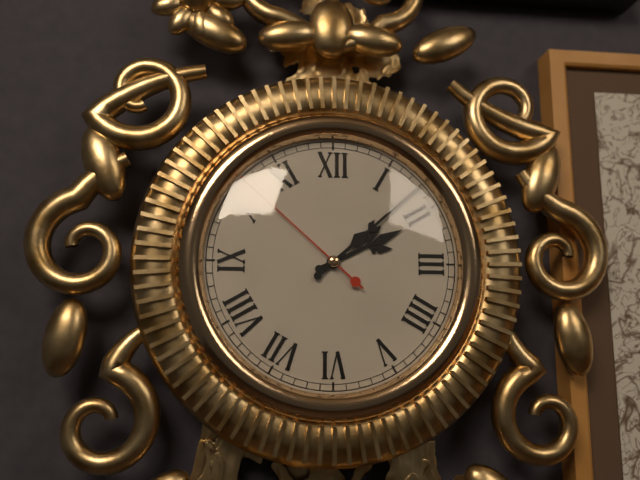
2:08:52
